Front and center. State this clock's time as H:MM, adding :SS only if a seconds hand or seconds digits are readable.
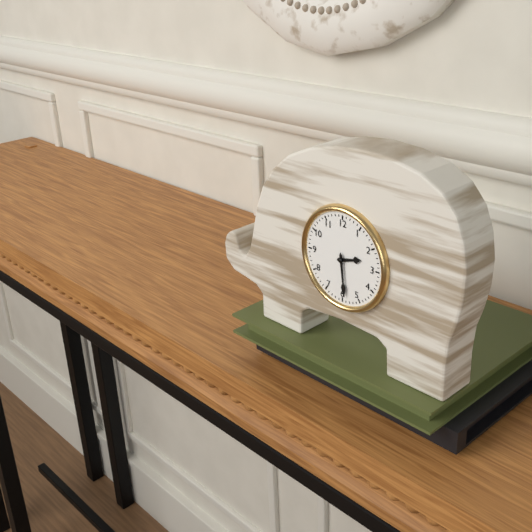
2:29
